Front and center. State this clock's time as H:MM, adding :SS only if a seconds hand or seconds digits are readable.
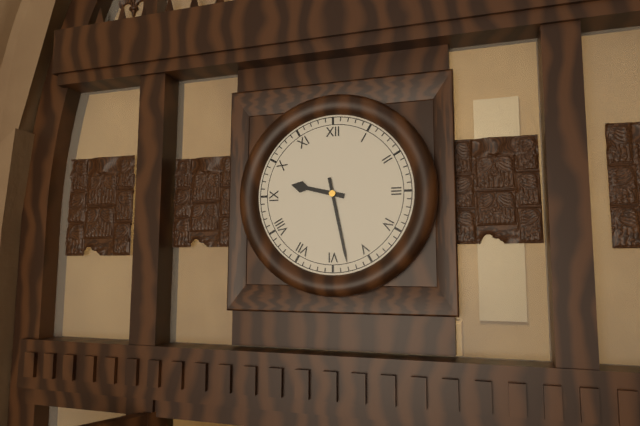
9:28
